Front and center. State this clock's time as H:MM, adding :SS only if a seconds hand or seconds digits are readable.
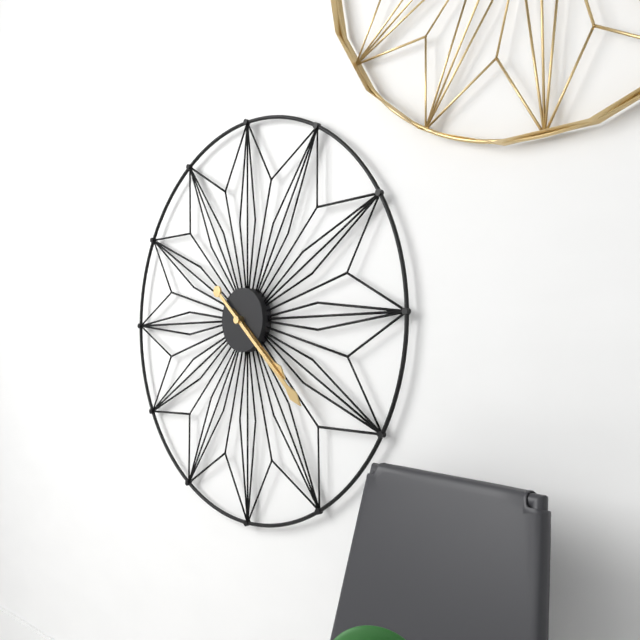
4:22
